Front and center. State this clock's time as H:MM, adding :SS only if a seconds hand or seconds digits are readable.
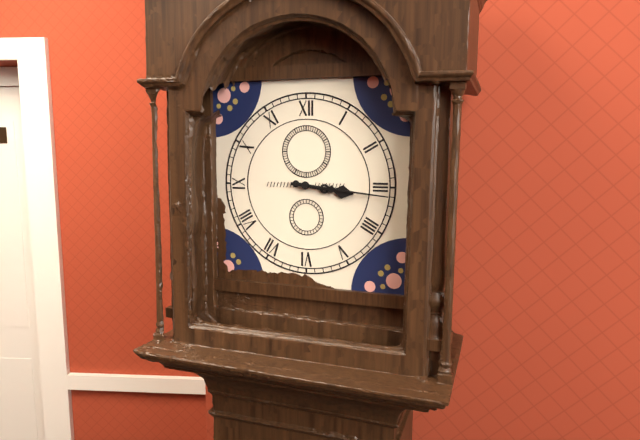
3:16
